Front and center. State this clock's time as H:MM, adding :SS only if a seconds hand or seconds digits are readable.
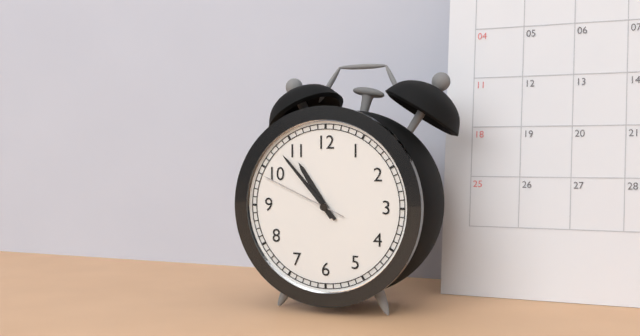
10:53:49
